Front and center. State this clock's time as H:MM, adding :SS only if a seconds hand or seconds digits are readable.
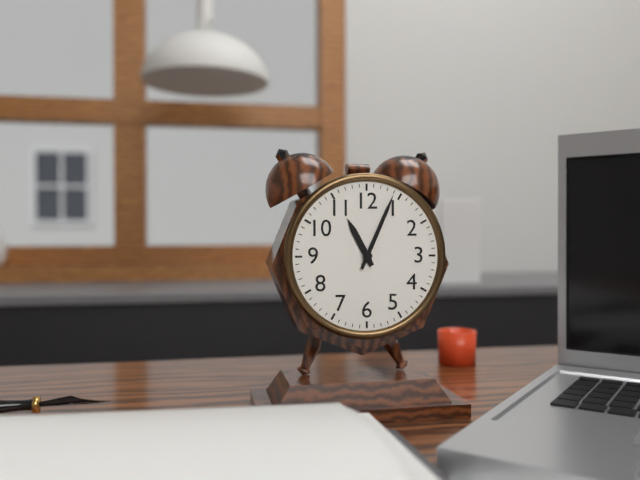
11:04
